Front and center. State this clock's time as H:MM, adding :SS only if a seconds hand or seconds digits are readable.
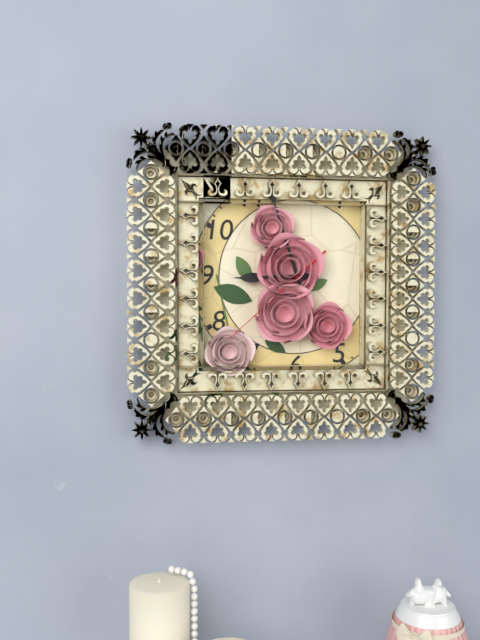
8:57:38
